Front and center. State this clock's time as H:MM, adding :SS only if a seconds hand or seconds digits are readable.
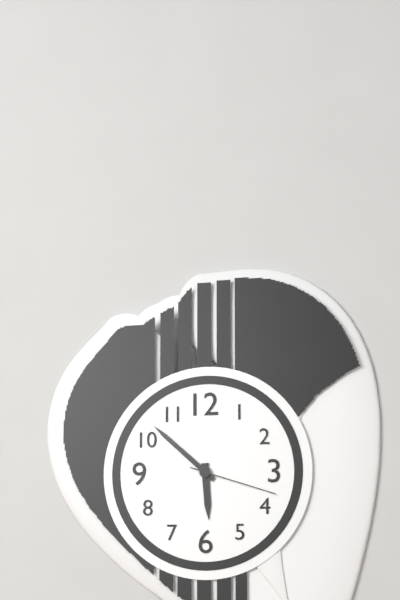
5:52:18
